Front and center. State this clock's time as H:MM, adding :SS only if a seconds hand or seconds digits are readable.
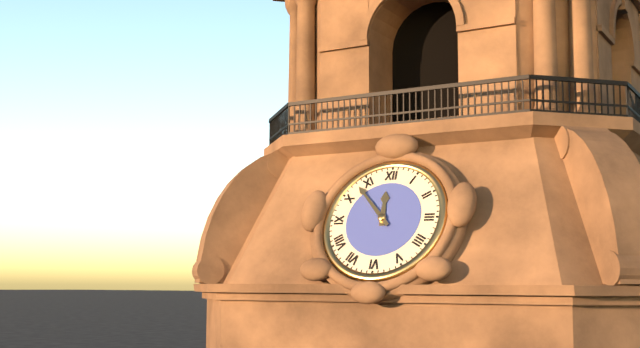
11:53
